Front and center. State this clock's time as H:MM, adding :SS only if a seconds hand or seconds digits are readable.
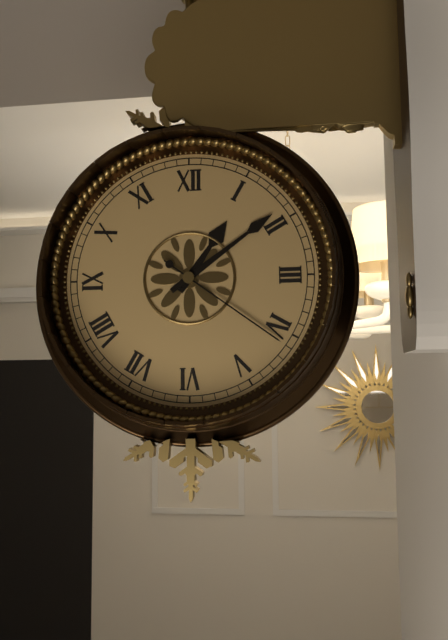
1:09:21
